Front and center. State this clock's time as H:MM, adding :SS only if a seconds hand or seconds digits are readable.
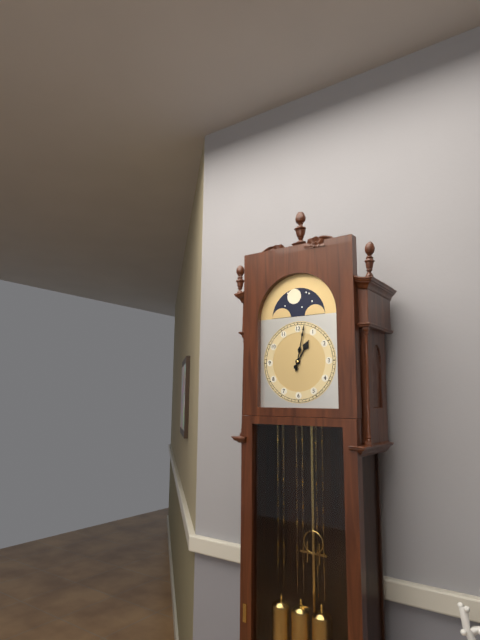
1:02
